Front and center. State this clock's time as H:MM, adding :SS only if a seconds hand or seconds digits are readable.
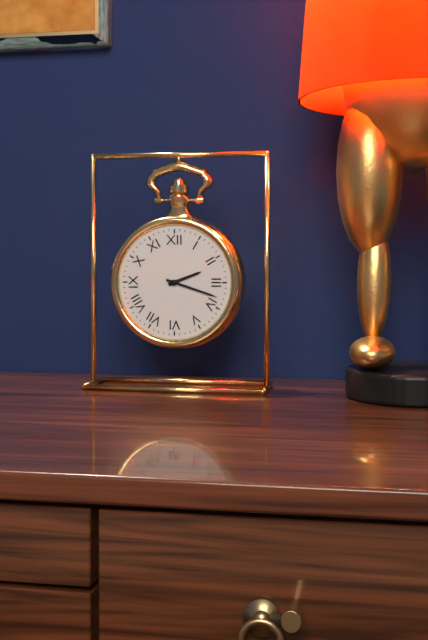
2:18
